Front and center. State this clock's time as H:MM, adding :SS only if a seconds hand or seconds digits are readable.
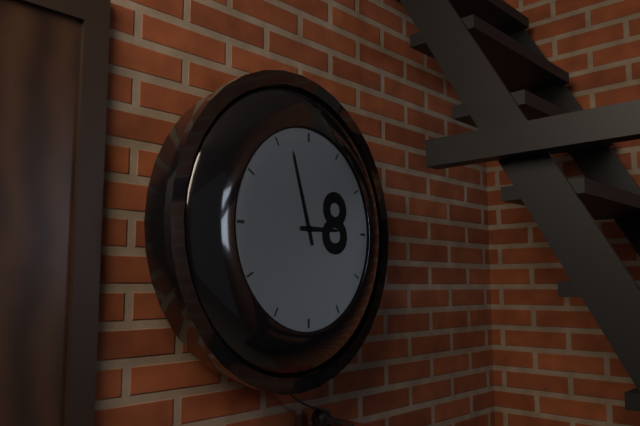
2:57
